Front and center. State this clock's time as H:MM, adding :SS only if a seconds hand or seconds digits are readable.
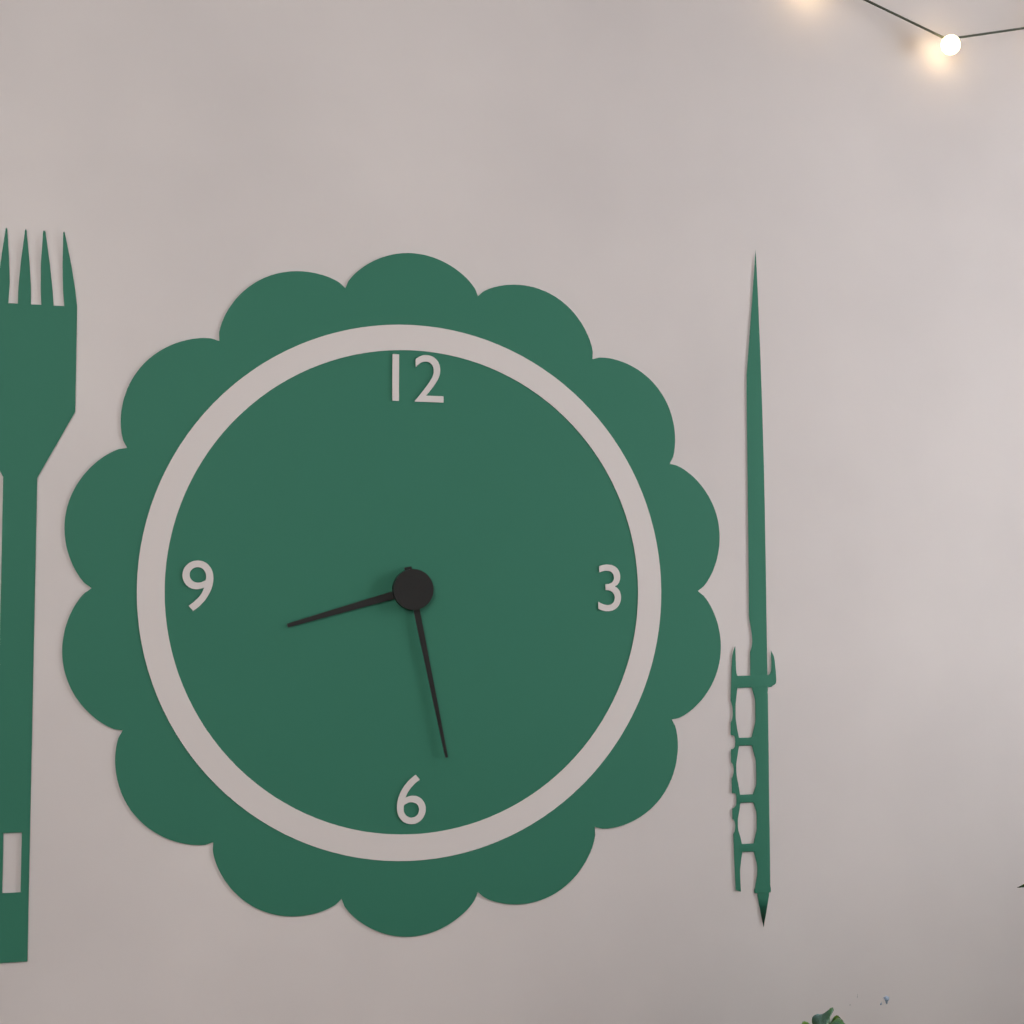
8:28
